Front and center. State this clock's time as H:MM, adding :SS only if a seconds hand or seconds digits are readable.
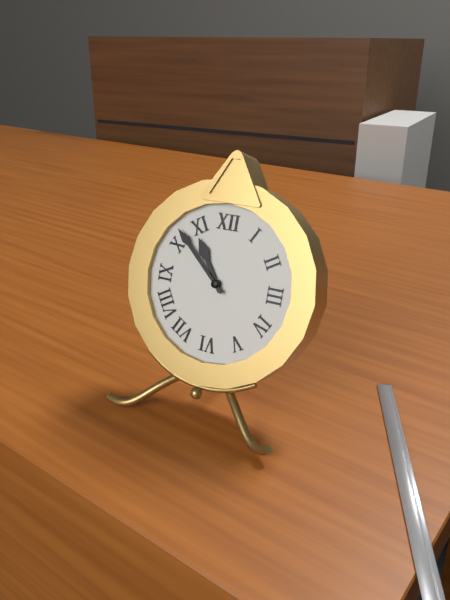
10:52
